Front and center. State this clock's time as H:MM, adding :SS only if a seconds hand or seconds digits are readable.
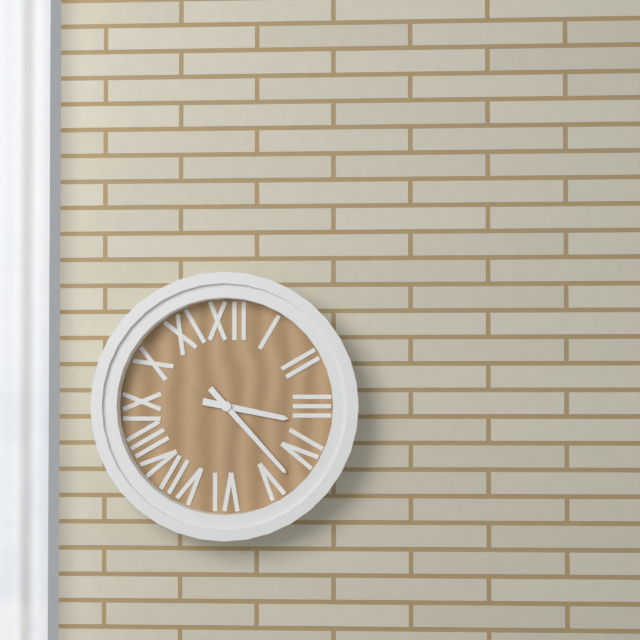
3:23
